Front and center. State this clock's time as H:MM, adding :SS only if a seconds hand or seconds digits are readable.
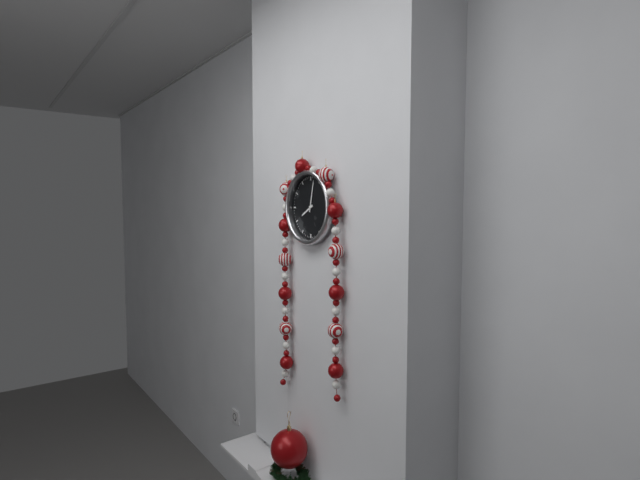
8:02
